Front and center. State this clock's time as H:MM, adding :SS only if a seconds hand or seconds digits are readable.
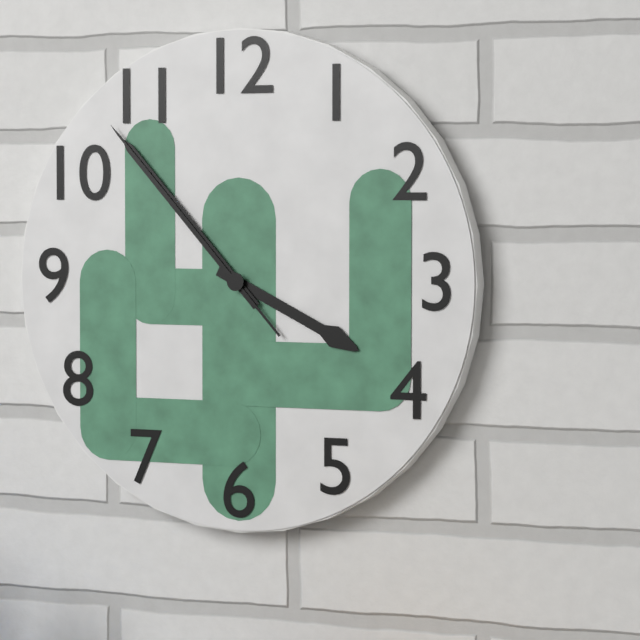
3:53:53
